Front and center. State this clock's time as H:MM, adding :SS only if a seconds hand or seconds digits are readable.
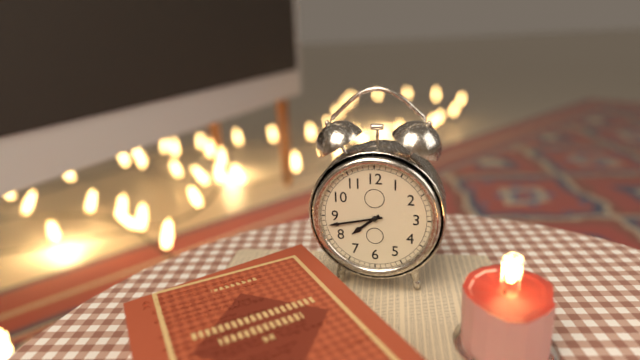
7:43
